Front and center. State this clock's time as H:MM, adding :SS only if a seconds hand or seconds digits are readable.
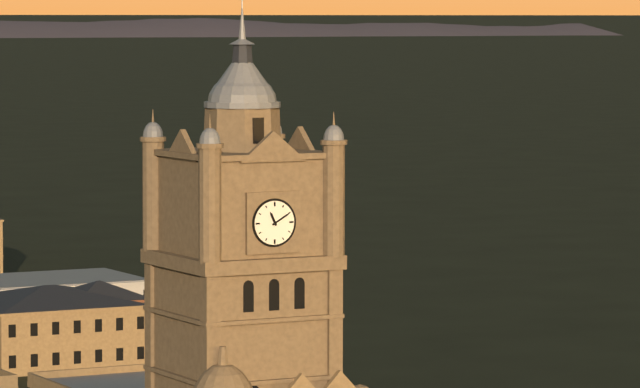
11:10
